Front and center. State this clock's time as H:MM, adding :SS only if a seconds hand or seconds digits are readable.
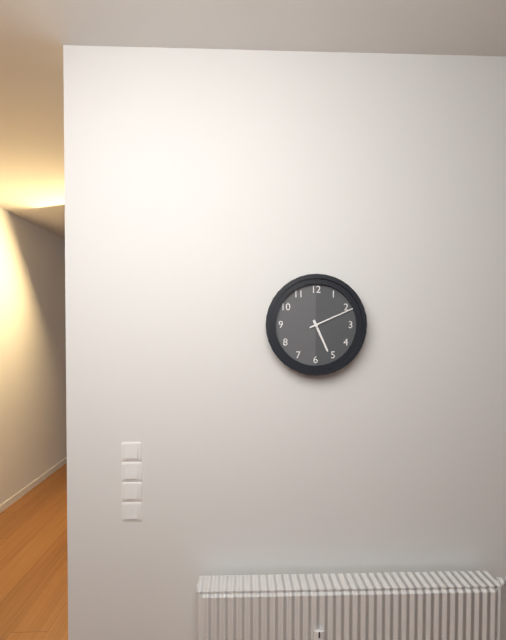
5:11
